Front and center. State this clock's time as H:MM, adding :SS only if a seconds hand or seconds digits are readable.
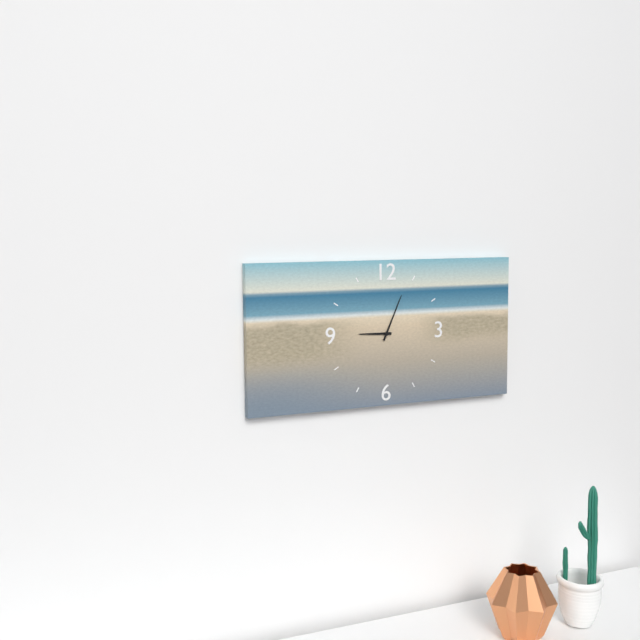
9:04
